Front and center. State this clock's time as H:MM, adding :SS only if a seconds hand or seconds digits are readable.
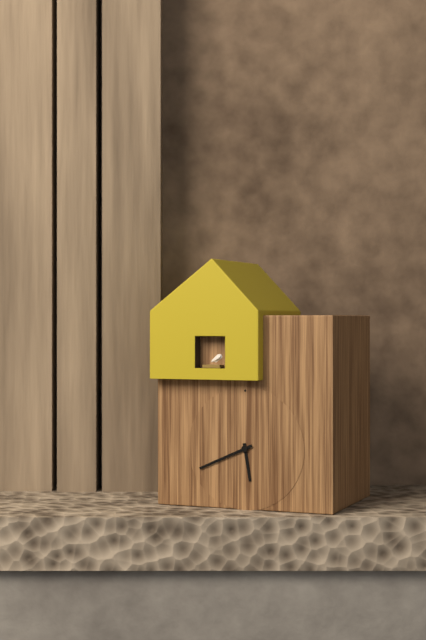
5:41
